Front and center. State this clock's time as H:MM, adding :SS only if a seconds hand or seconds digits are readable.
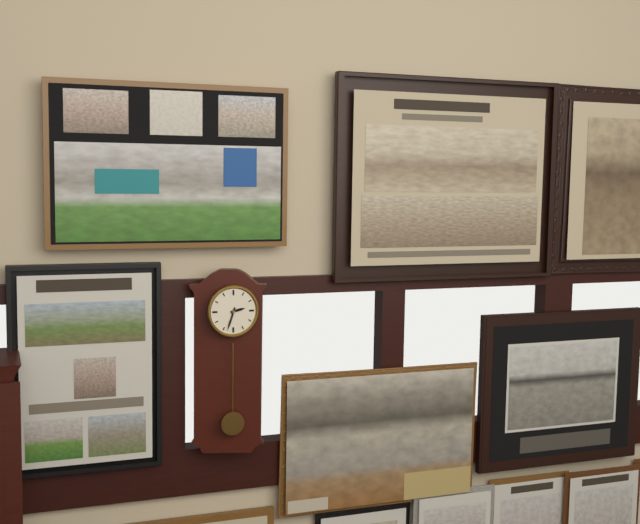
2:33
